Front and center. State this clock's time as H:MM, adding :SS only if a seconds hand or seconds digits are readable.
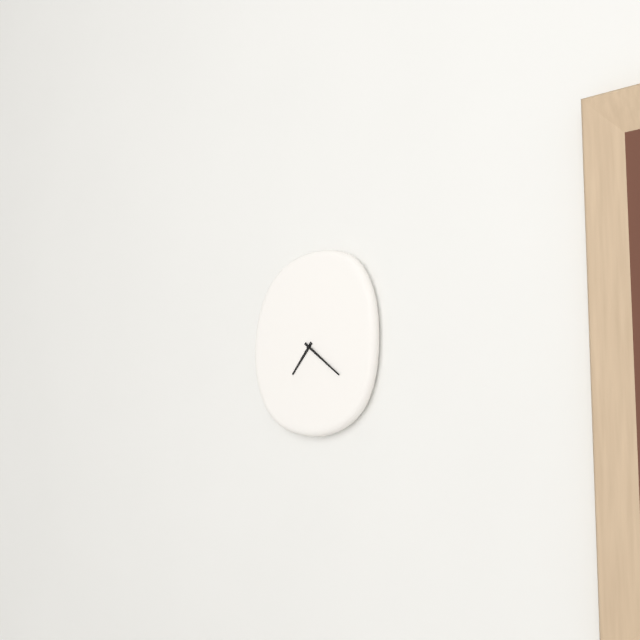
7:21
